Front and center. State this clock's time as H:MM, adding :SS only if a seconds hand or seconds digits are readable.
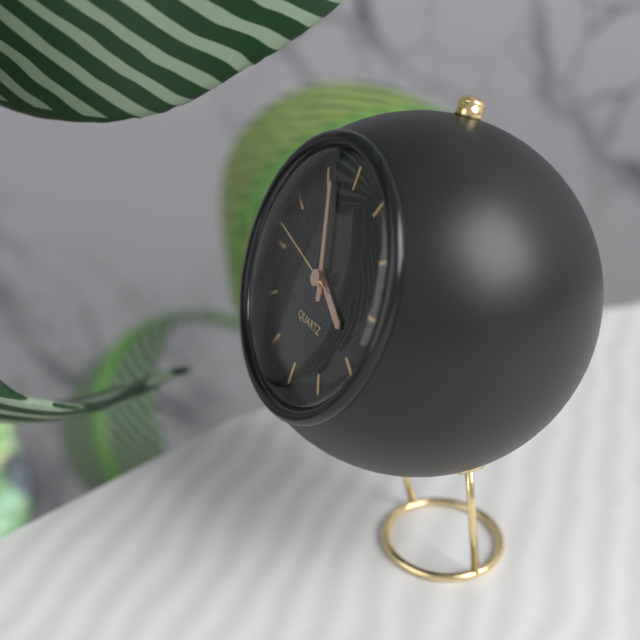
3:56:47
